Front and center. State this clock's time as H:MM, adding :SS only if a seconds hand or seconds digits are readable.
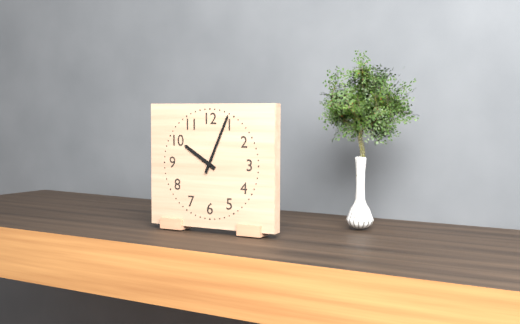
10:04
